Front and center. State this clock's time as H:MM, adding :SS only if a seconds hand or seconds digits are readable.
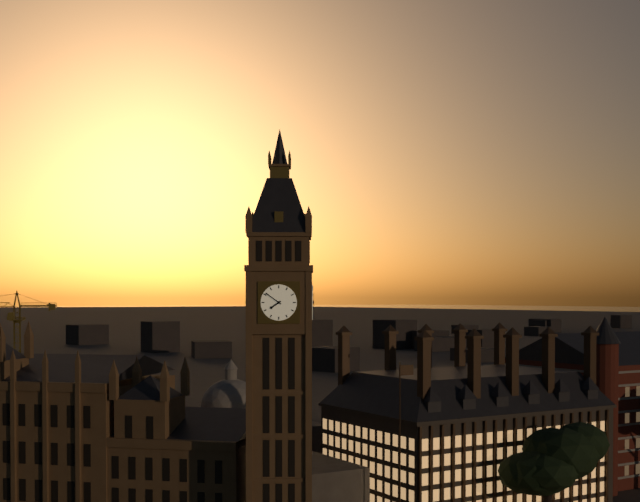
7:51
